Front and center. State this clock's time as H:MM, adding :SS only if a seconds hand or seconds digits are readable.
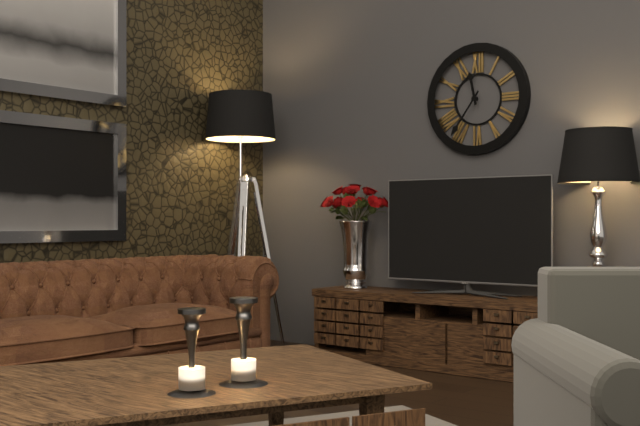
11:36
